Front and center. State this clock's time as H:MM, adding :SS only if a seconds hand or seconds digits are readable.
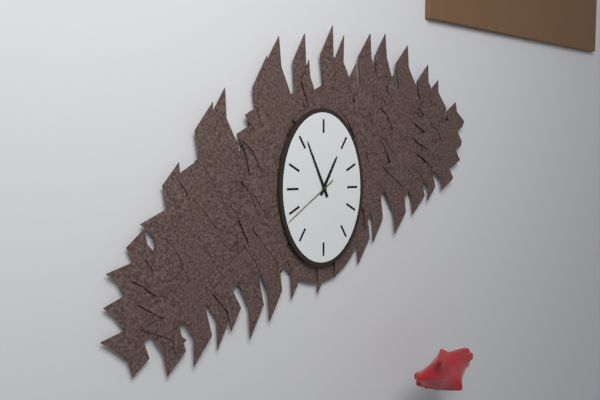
12:56:39
